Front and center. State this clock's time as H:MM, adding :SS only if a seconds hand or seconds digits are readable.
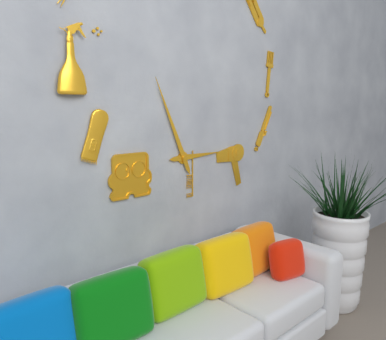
2:56
